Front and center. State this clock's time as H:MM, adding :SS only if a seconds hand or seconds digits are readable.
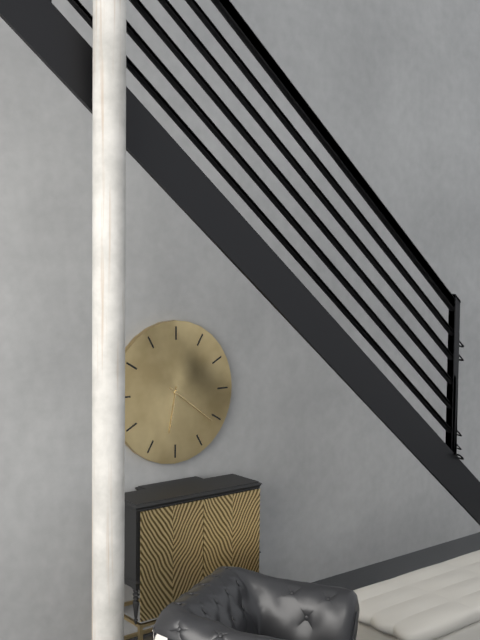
6:21
